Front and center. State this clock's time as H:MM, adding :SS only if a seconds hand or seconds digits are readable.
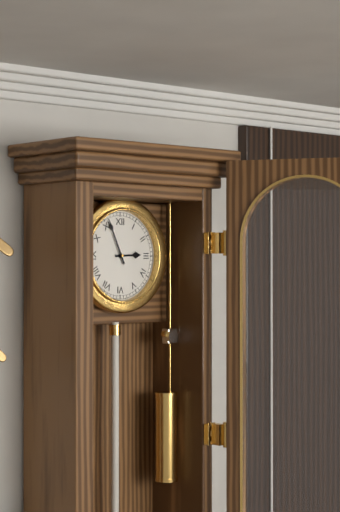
2:56
